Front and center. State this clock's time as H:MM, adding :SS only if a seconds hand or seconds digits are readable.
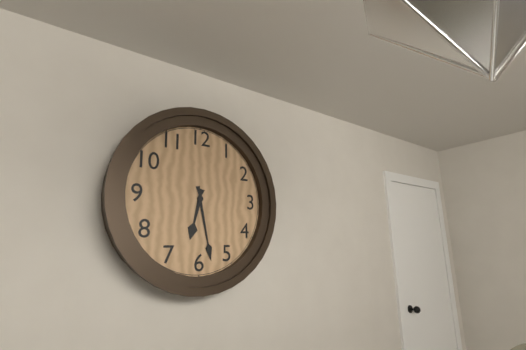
6:28
